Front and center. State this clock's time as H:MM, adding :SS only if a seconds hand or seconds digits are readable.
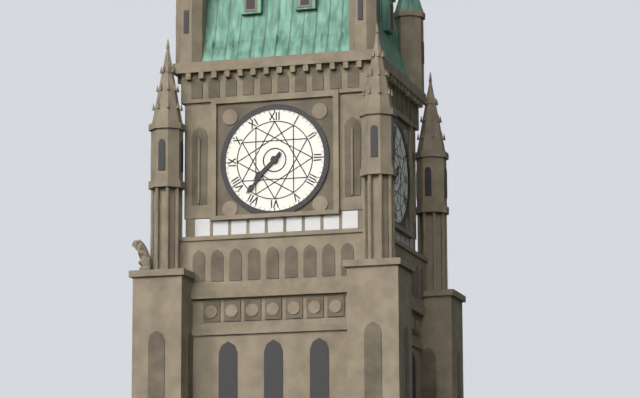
7:37
